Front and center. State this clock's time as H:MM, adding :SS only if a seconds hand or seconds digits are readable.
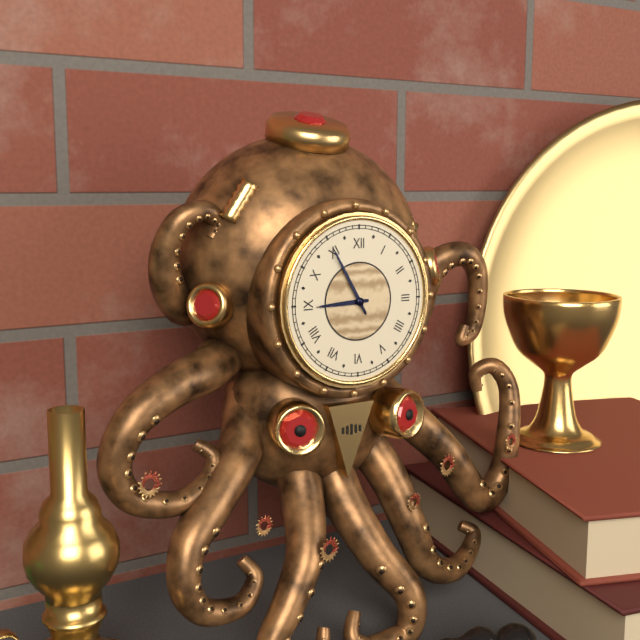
8:55
